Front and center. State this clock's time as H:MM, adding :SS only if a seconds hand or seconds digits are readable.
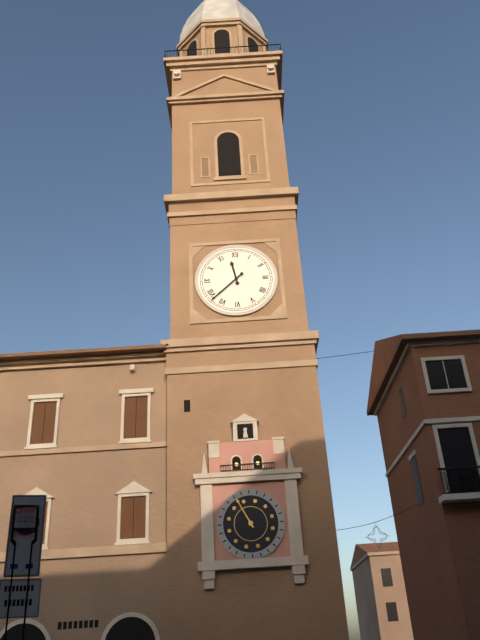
11:38
